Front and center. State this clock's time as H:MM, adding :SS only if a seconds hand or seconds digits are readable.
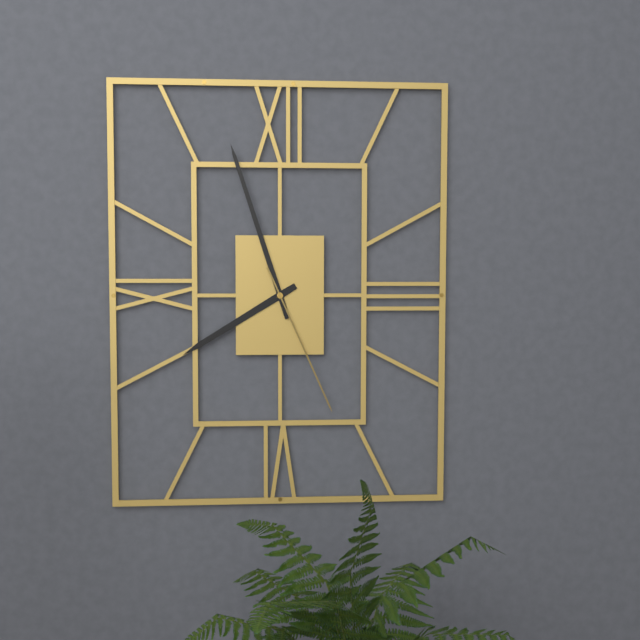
7:57:26
